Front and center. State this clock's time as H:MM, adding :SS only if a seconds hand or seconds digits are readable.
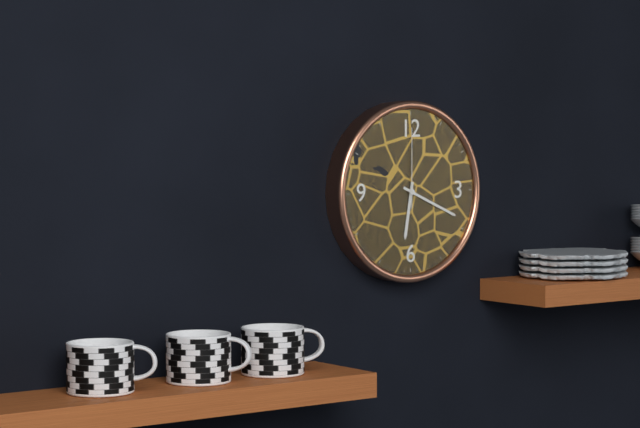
6:19:00
